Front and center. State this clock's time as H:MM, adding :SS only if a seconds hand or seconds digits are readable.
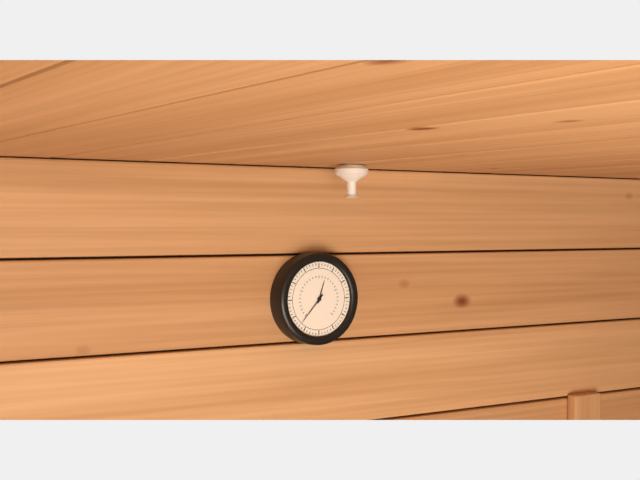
12:37
